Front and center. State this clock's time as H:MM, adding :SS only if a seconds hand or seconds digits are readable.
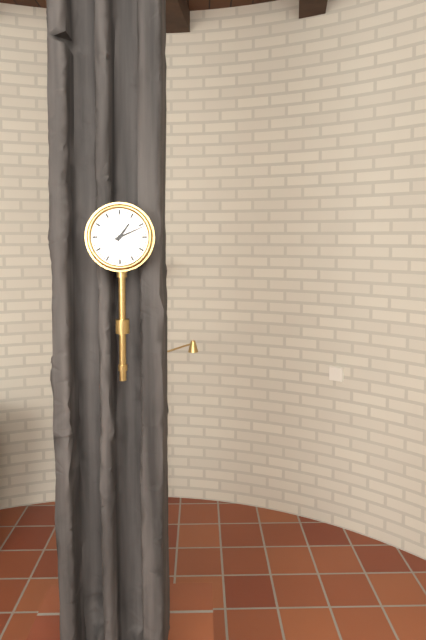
1:11
